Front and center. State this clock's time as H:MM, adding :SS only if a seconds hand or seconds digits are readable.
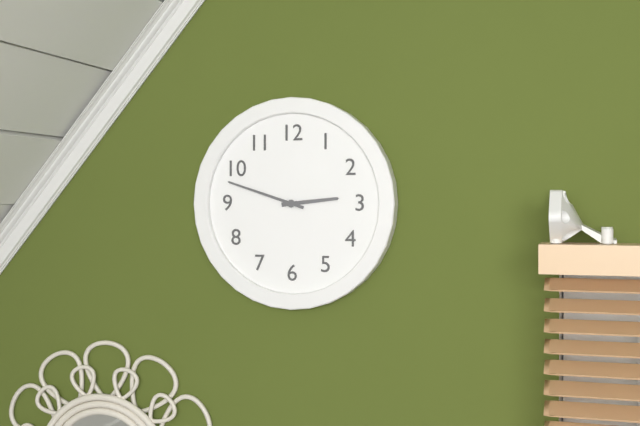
2:48
